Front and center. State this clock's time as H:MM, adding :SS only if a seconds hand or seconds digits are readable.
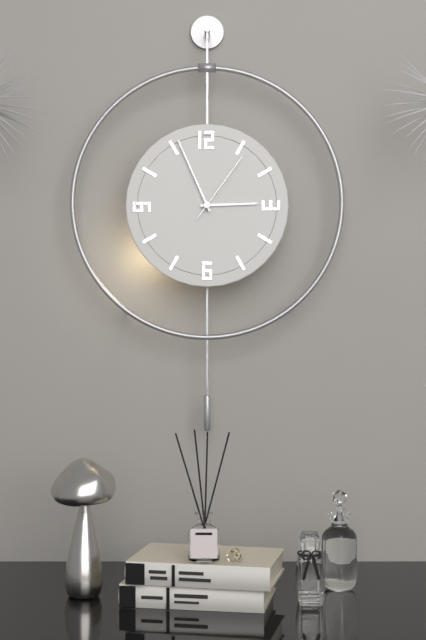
2:56:06
